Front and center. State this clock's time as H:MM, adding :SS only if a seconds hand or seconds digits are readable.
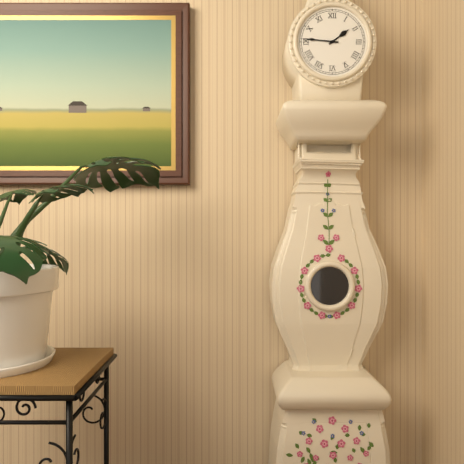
1:46
